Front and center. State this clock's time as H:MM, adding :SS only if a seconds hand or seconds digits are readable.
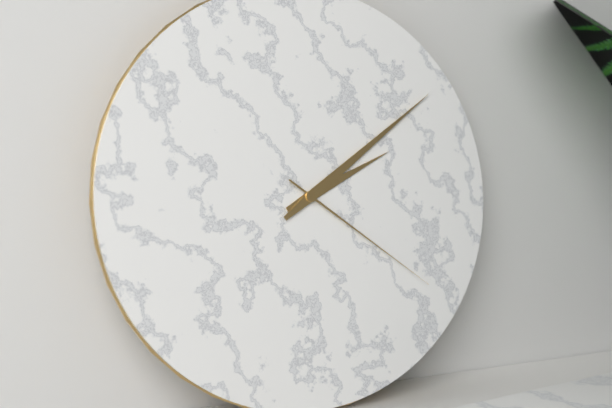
2:09:21
